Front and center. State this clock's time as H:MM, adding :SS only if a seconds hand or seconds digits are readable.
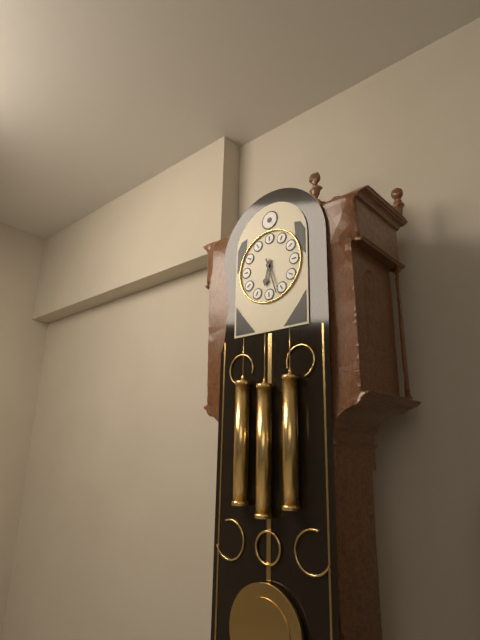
6:27
